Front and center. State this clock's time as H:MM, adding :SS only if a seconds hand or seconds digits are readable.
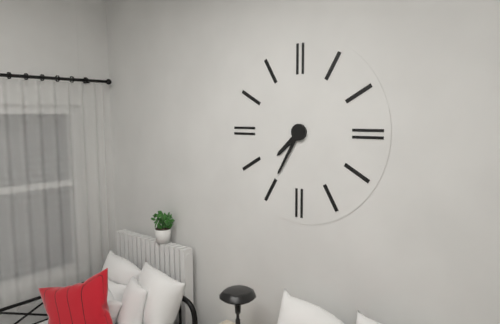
7:35
